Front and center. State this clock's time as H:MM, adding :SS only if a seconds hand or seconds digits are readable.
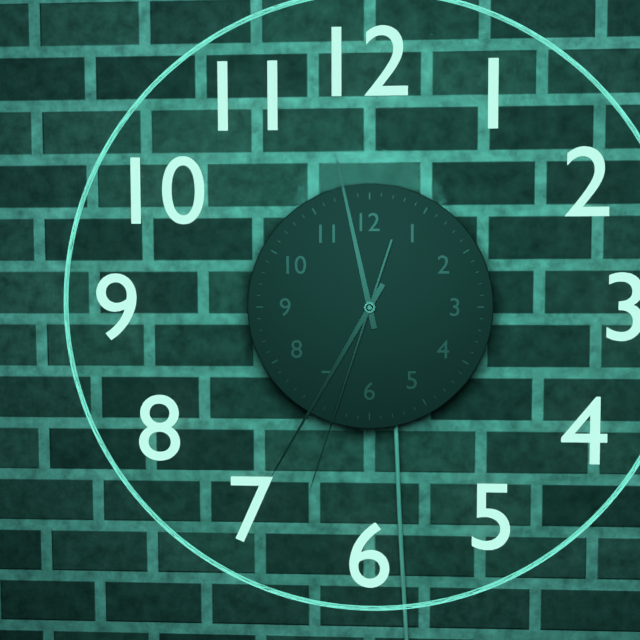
11:35:33
